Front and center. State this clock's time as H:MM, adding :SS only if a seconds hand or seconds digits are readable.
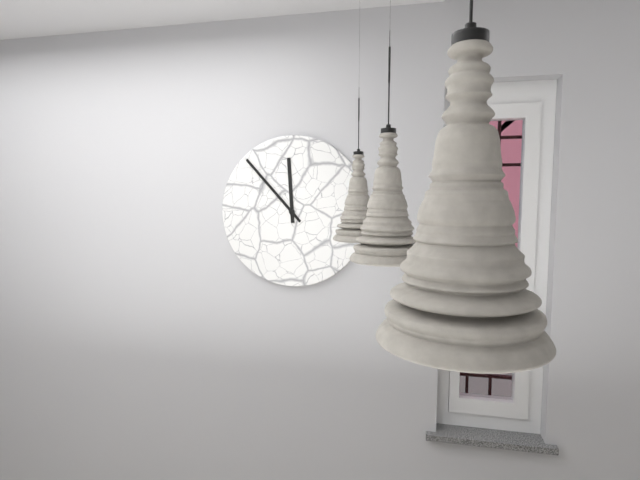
11:53
